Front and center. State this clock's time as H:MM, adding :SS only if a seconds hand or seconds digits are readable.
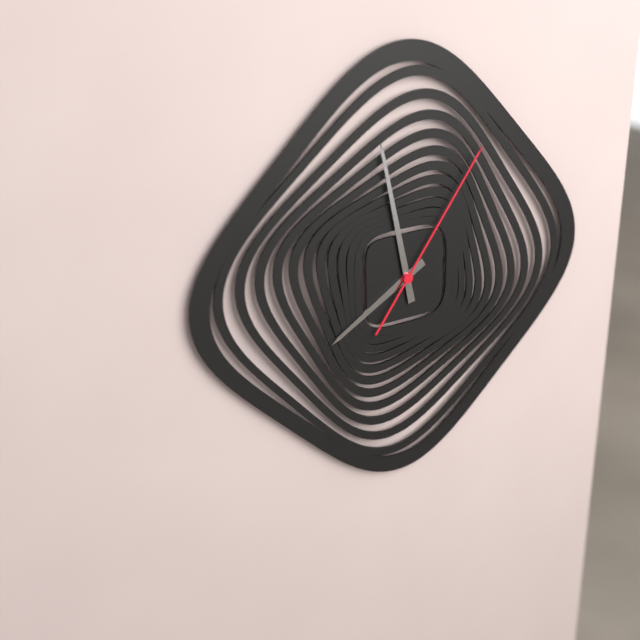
7:58:06
